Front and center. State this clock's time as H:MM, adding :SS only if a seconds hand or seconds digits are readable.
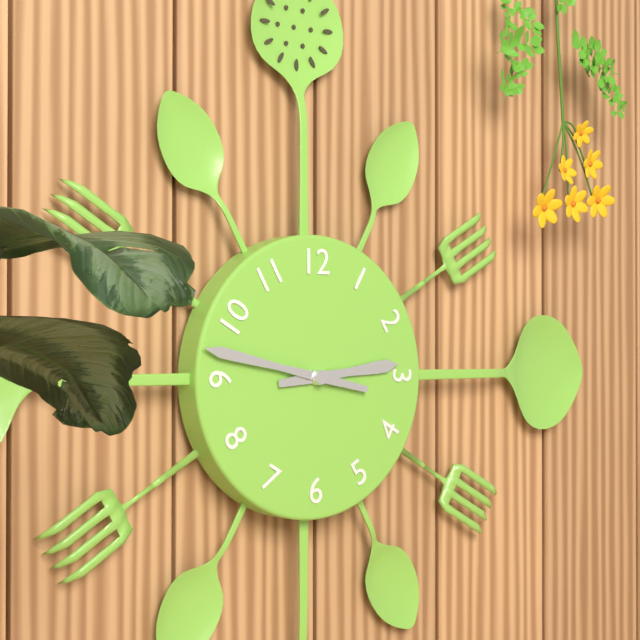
2:47
